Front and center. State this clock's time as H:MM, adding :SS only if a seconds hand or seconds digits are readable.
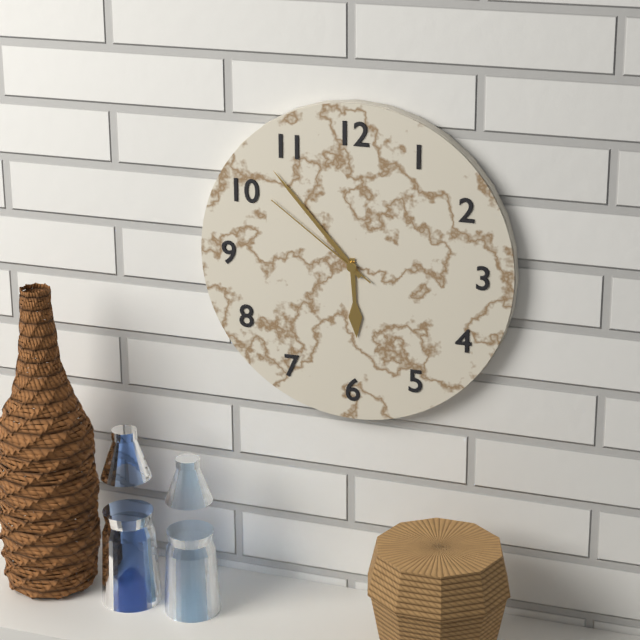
5:53:51
